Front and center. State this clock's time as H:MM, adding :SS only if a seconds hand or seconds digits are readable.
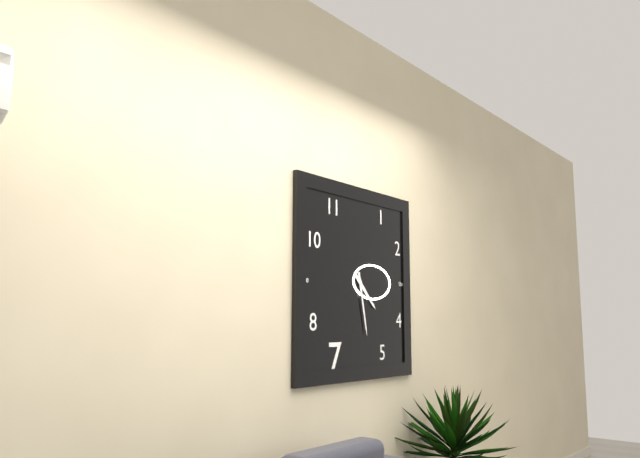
4:28
